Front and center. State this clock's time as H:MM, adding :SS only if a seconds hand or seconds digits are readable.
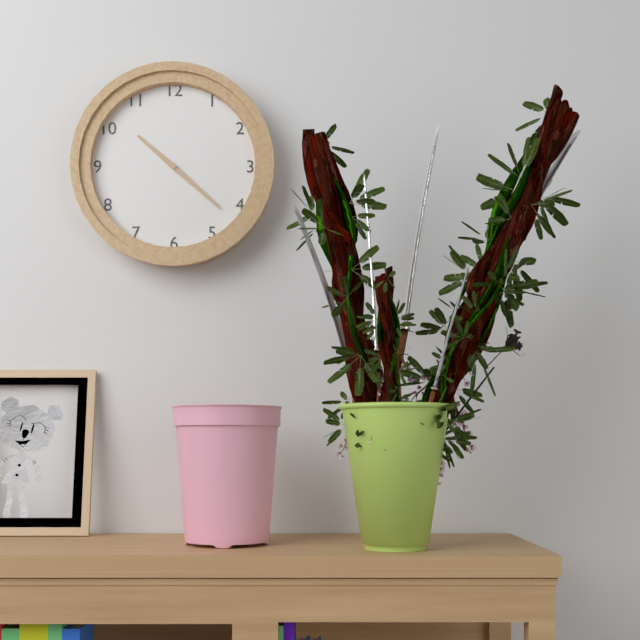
10:22
